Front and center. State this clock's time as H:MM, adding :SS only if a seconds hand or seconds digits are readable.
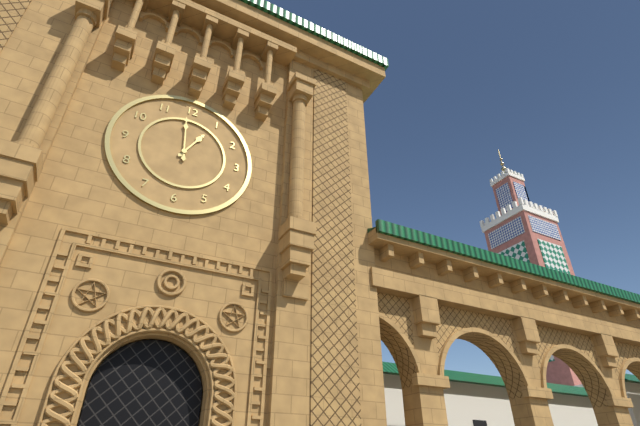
12:59
